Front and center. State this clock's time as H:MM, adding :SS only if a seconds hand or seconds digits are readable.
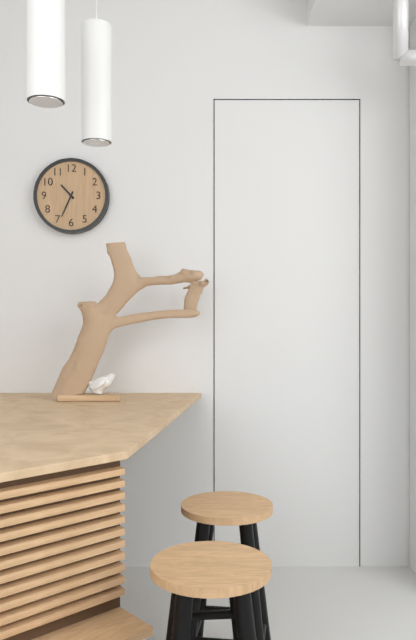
10:34
